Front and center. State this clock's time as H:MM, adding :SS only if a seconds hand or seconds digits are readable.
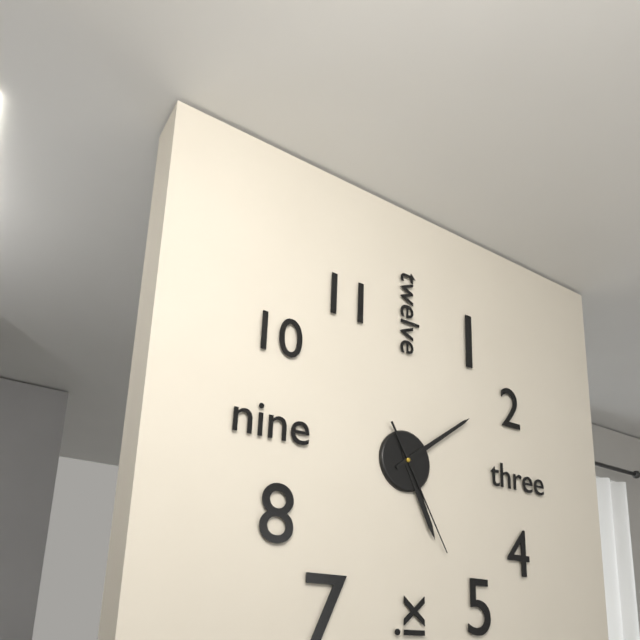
5:09:25
